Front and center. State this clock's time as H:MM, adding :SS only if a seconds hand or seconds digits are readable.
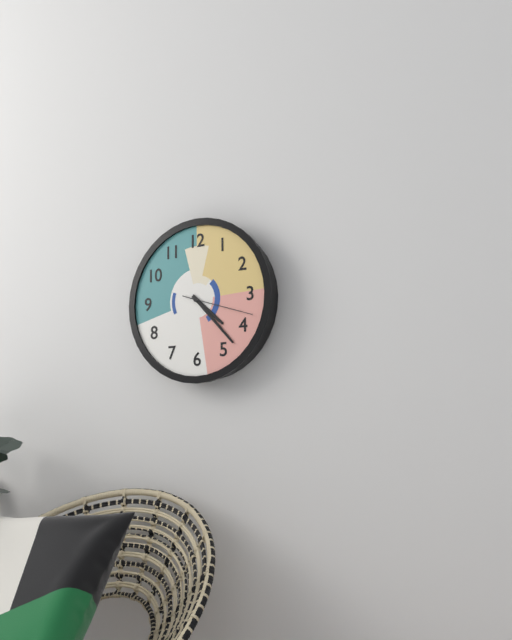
4:23:18
